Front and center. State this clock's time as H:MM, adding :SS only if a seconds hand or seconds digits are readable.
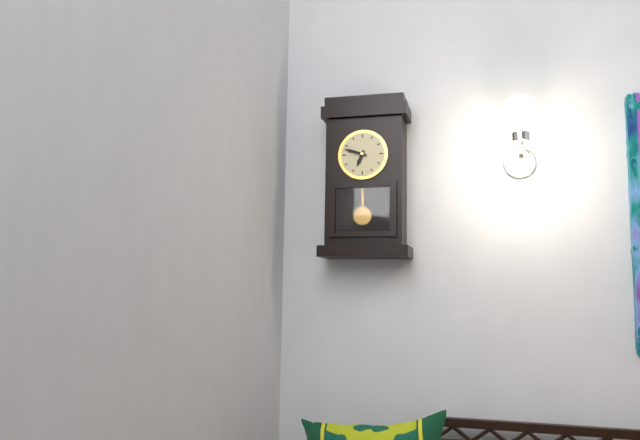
6:48
